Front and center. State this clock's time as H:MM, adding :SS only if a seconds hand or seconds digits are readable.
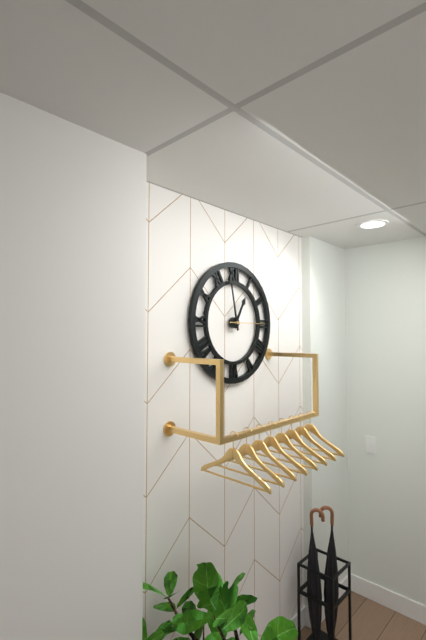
12:58
